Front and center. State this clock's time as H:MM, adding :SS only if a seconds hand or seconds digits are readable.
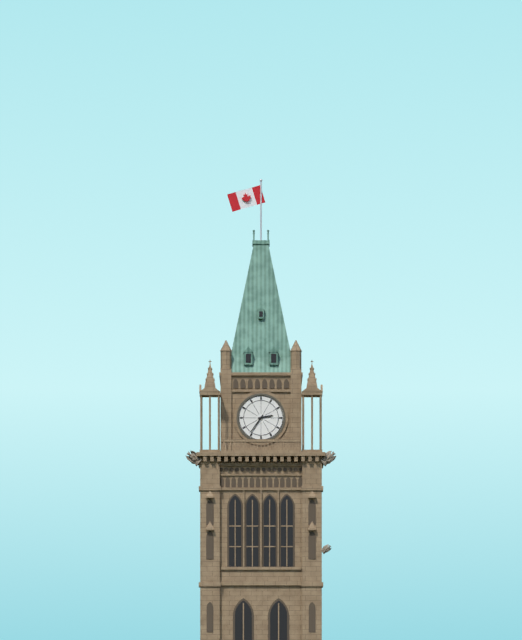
2:36
